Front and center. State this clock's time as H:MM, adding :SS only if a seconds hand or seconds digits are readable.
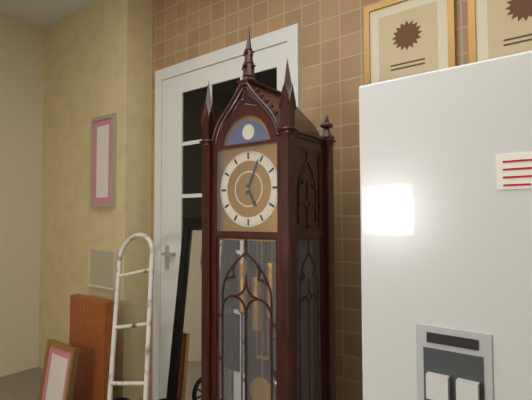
5:04
